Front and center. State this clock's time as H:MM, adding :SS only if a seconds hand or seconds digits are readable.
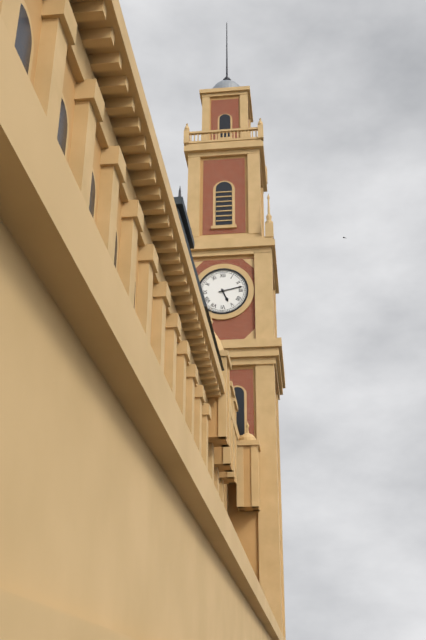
5:13
